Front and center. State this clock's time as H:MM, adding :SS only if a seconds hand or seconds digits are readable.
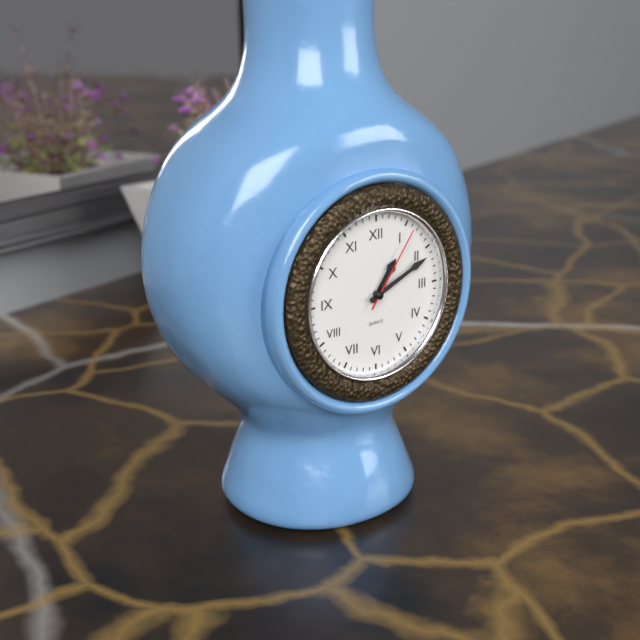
1:11:06
